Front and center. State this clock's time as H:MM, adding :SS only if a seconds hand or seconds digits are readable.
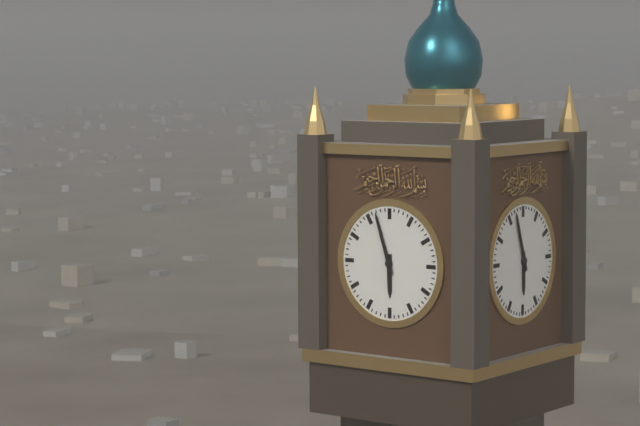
5:57
